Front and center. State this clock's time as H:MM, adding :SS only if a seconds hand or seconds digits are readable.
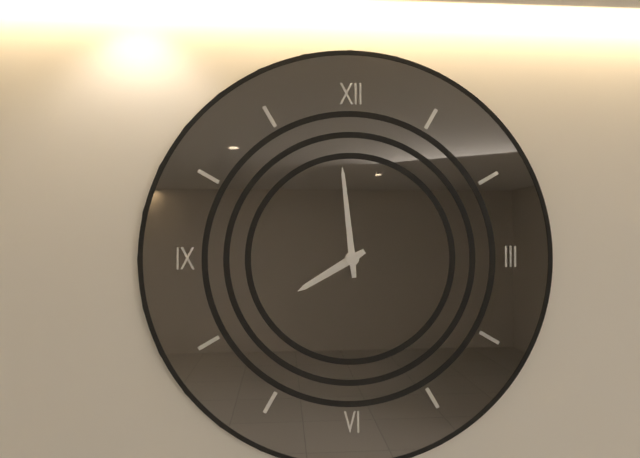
7:59
